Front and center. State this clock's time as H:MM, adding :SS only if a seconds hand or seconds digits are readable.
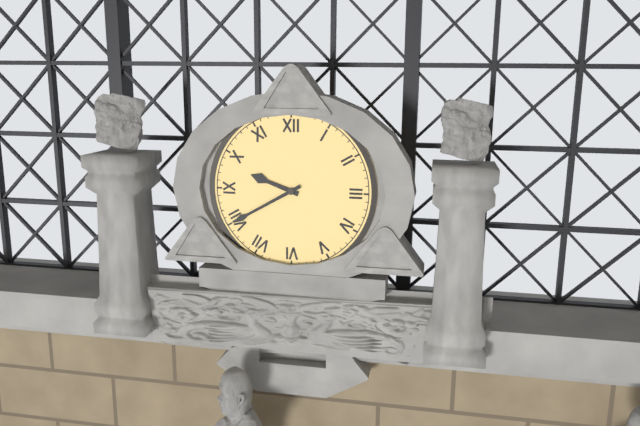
9:40
